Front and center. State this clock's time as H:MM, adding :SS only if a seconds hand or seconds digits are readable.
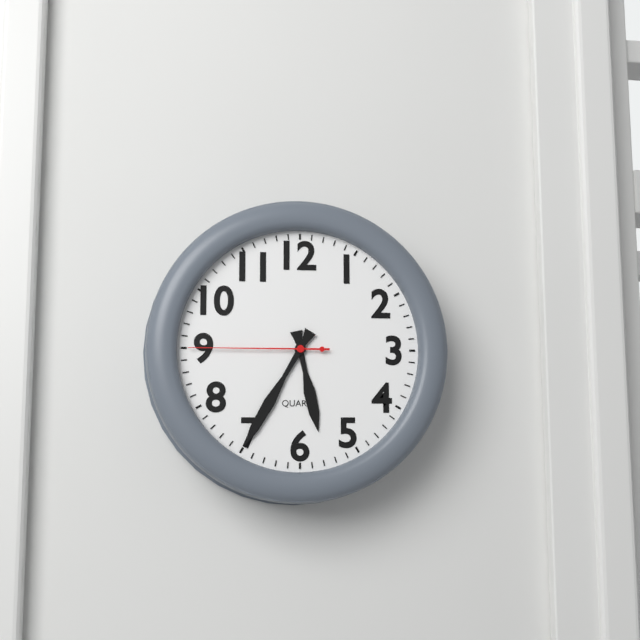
5:35:45
